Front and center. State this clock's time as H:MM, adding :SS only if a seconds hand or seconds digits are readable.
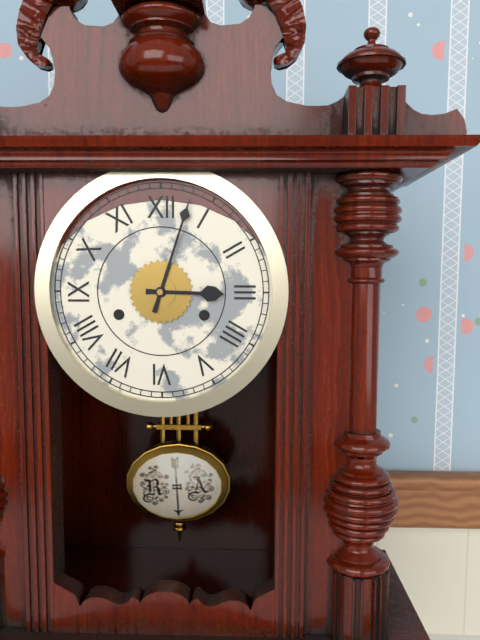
3:03
